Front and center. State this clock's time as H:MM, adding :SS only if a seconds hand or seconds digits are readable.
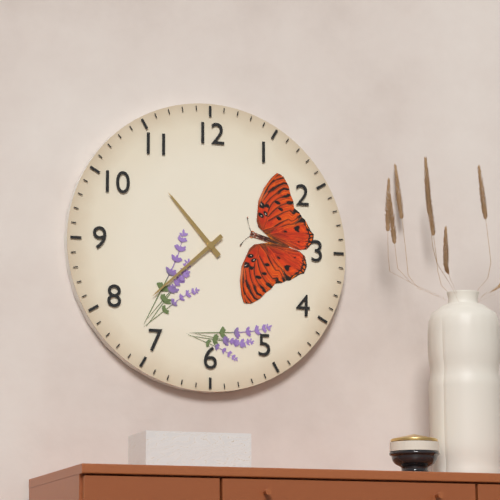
10:38
